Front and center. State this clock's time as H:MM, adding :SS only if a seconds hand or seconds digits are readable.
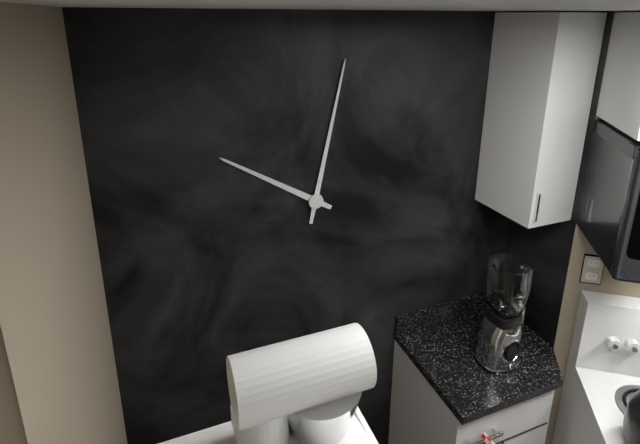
10:02
